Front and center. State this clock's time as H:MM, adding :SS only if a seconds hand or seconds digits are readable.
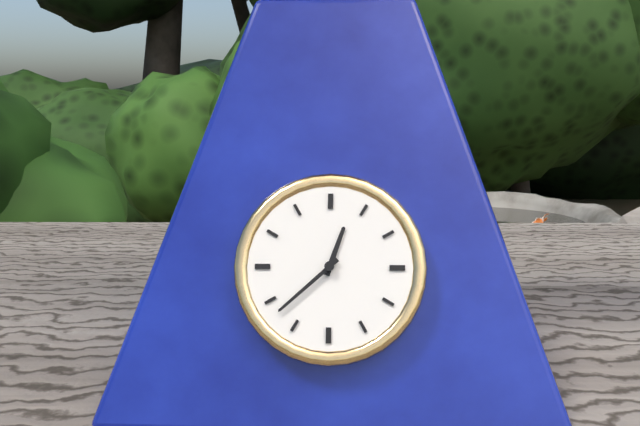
12:38
